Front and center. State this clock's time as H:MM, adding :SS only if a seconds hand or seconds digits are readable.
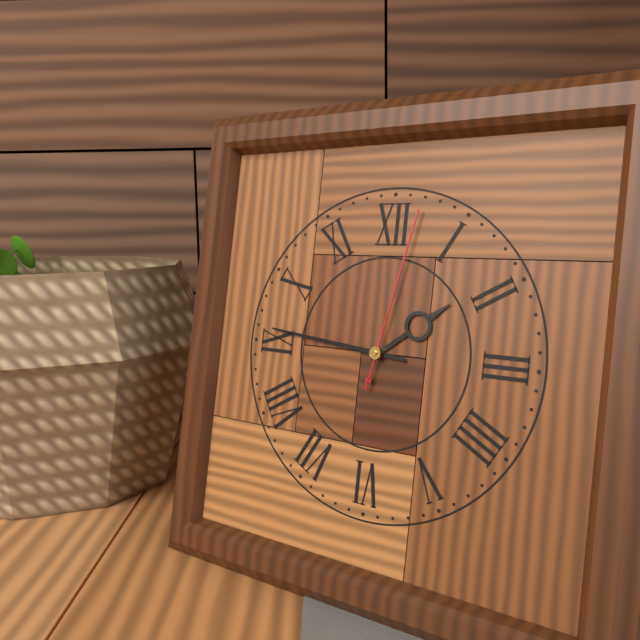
1:46:02
